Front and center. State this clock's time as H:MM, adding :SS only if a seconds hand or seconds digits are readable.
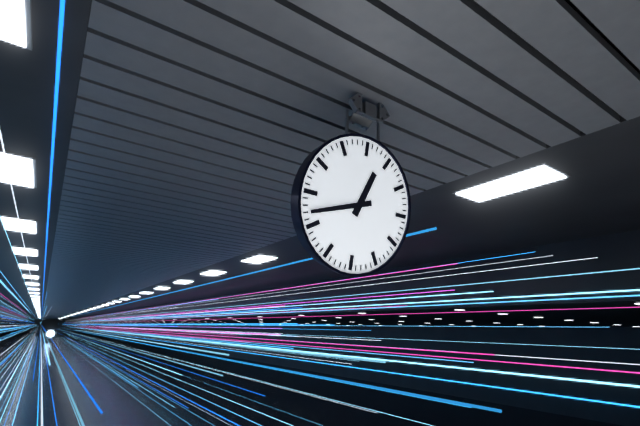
12:42
